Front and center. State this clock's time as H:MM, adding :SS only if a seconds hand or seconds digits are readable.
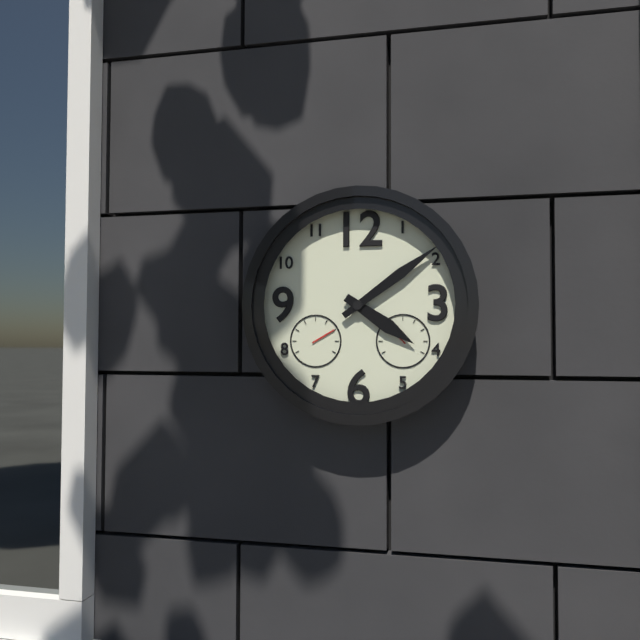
4:09
